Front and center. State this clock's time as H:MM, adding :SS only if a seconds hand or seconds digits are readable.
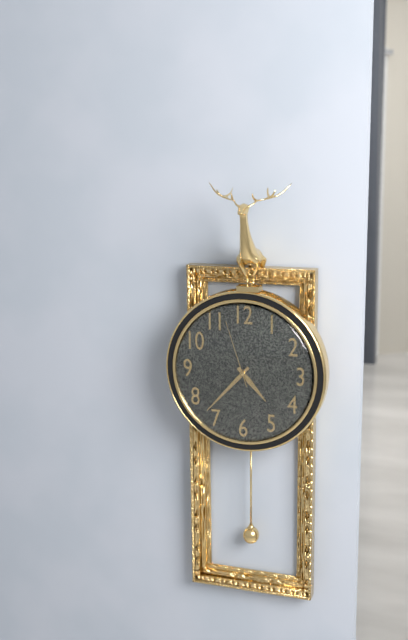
4:37:57
